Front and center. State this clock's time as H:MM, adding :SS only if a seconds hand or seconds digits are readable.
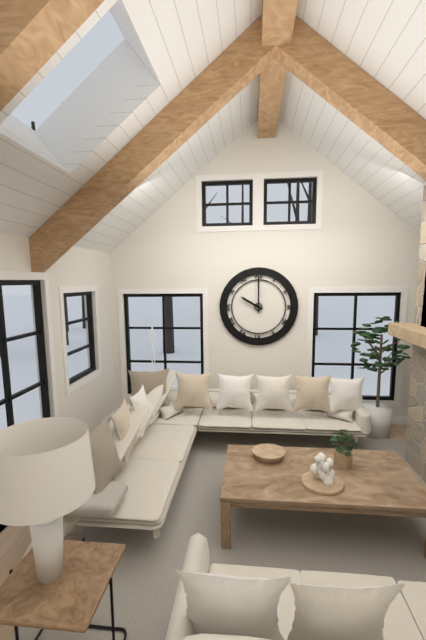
10:00
